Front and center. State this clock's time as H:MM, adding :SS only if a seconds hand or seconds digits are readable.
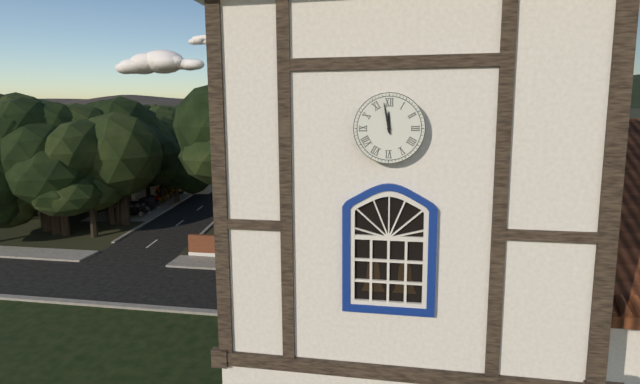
11:58
